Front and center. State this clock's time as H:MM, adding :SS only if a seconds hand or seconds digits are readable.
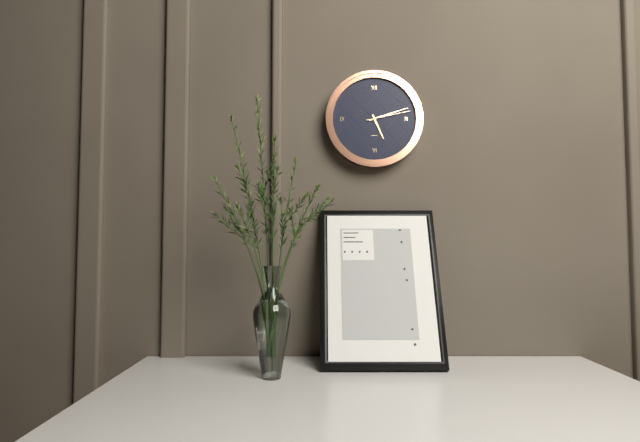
5:12
